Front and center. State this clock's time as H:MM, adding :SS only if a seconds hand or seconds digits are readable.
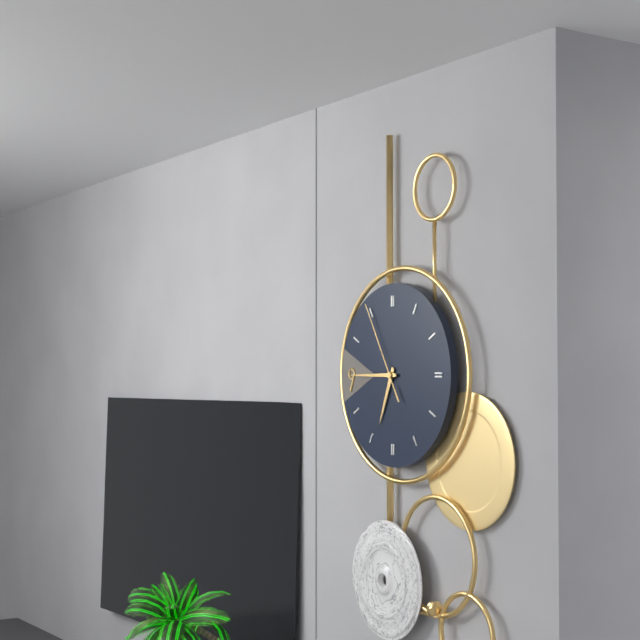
6:45:55
